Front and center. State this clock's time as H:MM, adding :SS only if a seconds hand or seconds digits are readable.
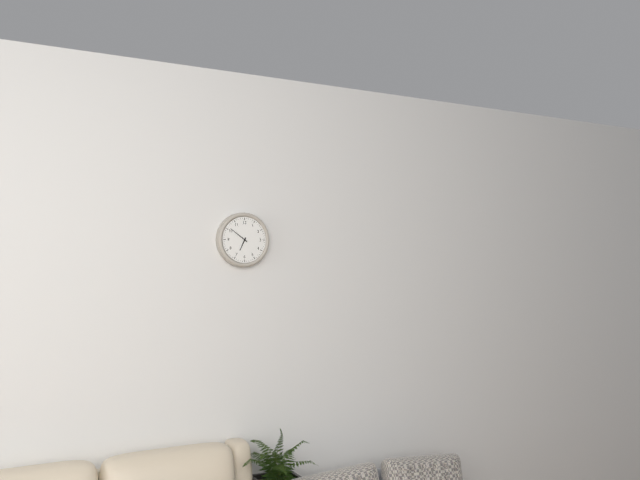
6:51
